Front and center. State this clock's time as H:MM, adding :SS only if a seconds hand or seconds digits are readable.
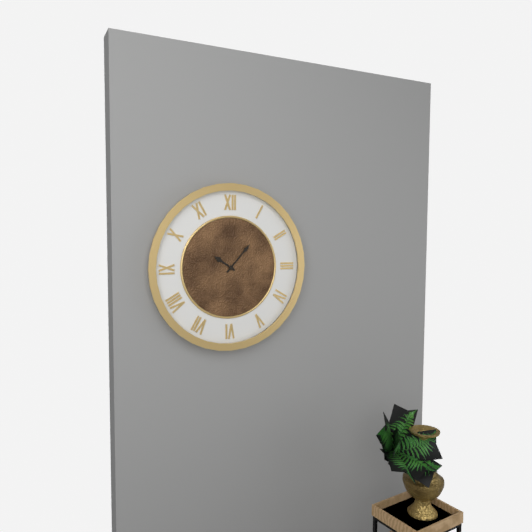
10:07
